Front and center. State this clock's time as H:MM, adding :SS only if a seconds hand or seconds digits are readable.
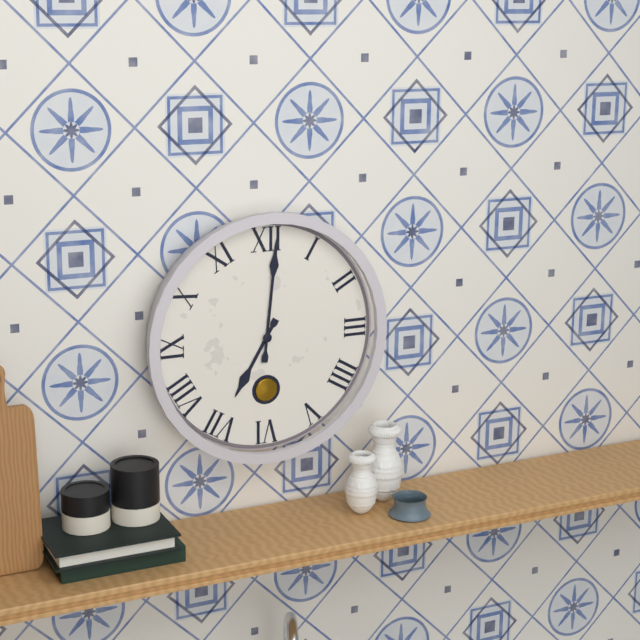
7:01
